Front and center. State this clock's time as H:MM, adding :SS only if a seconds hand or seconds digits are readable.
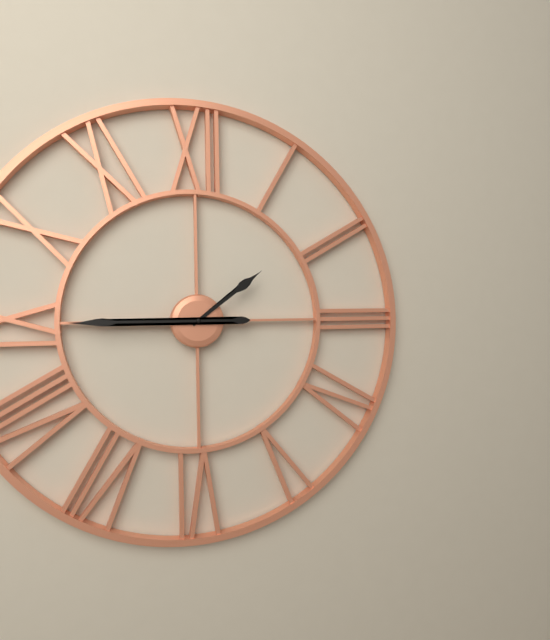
1:45
